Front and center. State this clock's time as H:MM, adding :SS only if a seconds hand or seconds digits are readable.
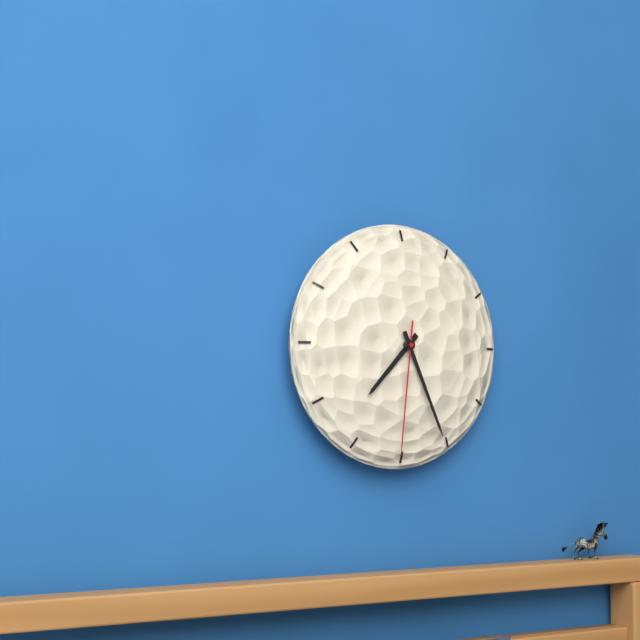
7:26:31
